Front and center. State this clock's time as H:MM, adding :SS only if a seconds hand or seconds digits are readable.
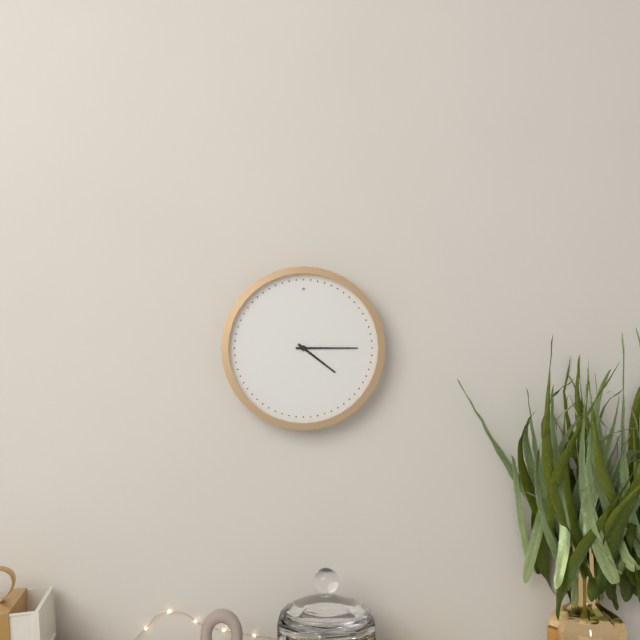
4:15
